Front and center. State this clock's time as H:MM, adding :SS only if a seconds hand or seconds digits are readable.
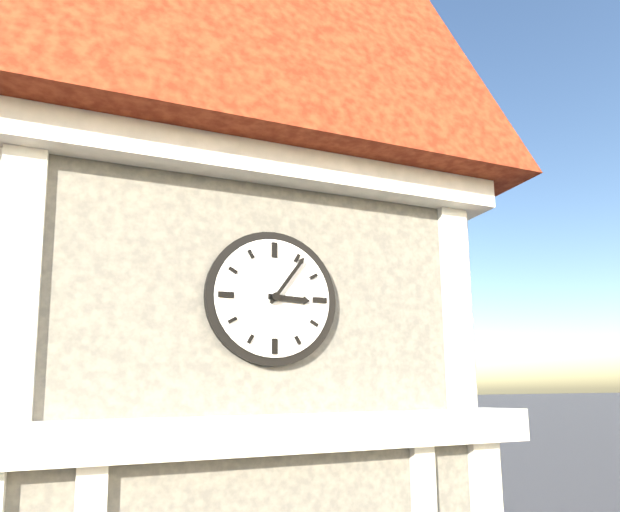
3:06
